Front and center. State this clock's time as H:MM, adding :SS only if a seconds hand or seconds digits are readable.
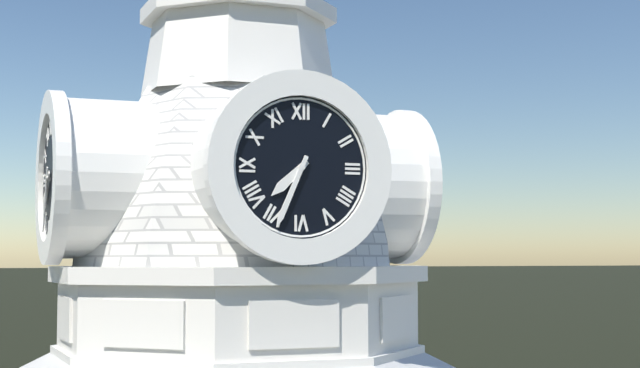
7:34
